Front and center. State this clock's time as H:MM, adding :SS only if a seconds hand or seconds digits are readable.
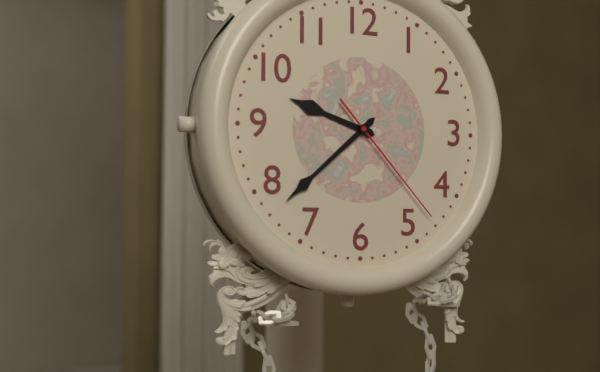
9:38:23
